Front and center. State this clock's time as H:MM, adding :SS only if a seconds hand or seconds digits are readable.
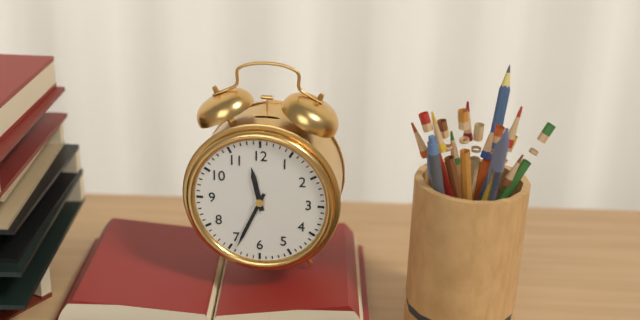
11:34
